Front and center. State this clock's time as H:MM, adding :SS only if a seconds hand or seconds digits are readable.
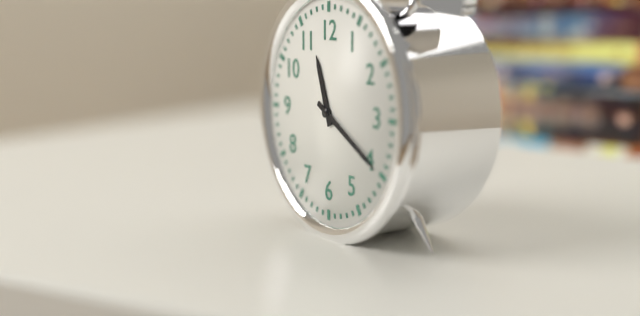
11:20
